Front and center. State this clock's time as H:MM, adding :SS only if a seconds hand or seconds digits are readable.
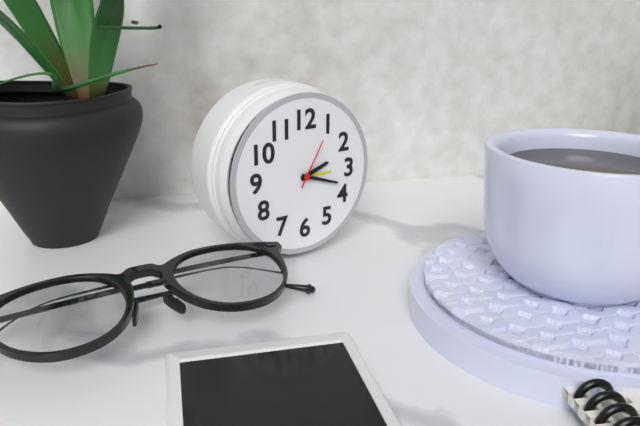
2:18:05
